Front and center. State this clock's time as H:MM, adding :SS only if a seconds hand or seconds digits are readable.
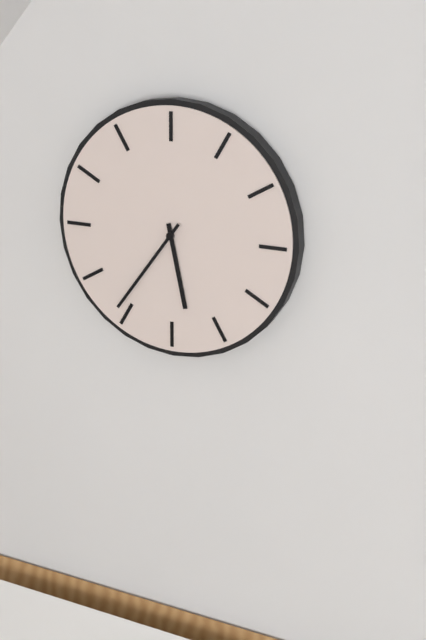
5:36
